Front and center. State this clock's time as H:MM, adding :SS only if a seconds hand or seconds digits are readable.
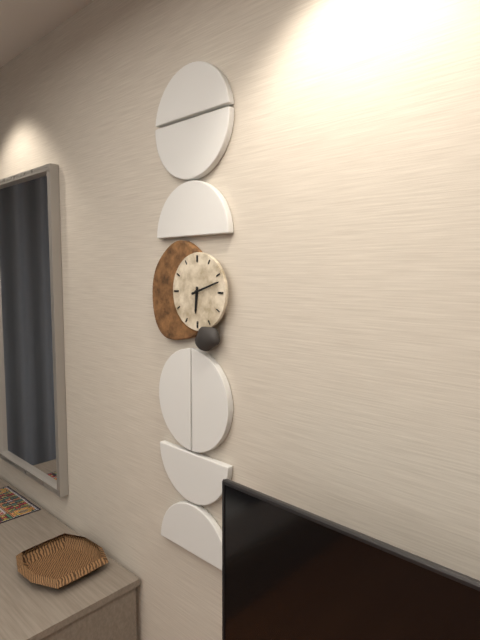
6:12
